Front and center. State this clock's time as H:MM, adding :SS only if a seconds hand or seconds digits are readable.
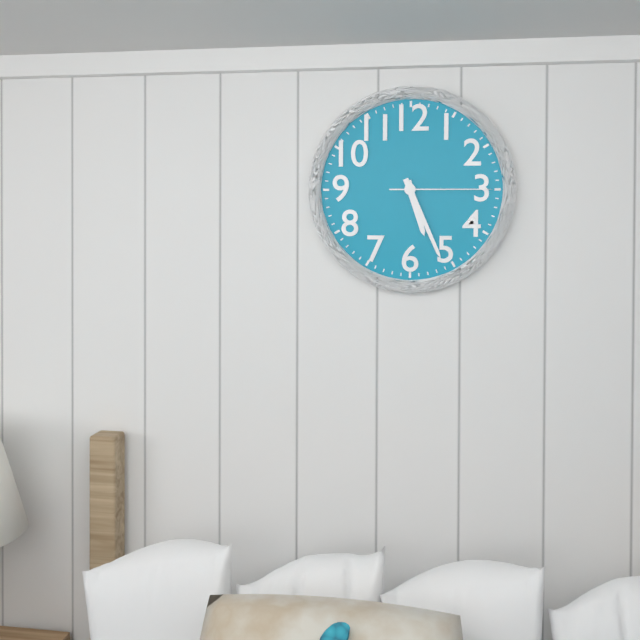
5:26:15
